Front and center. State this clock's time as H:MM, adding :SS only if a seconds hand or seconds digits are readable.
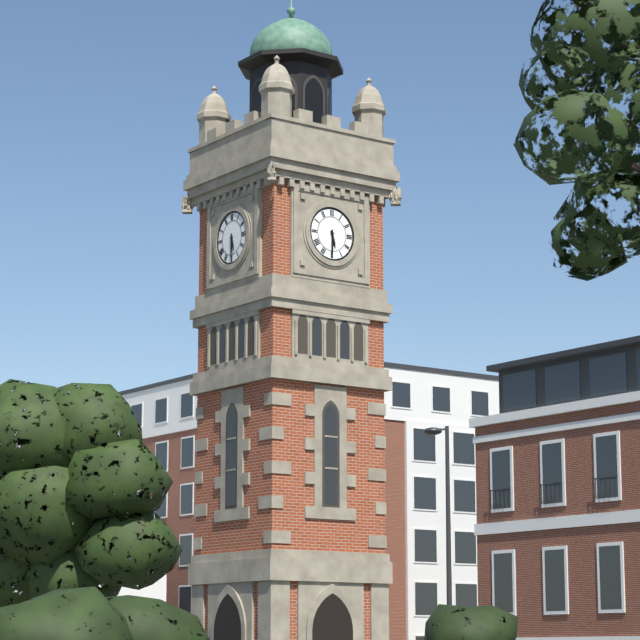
5:30
